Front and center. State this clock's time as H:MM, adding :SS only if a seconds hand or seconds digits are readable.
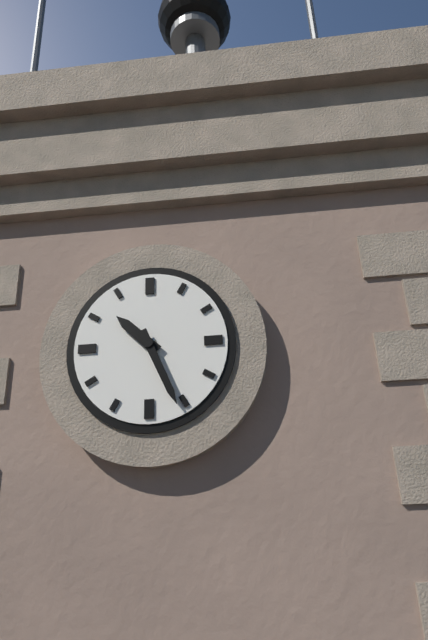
10:26
